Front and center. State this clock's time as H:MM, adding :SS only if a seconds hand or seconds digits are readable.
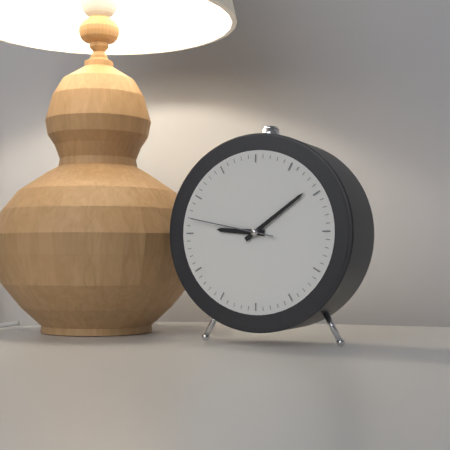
9:09:47
